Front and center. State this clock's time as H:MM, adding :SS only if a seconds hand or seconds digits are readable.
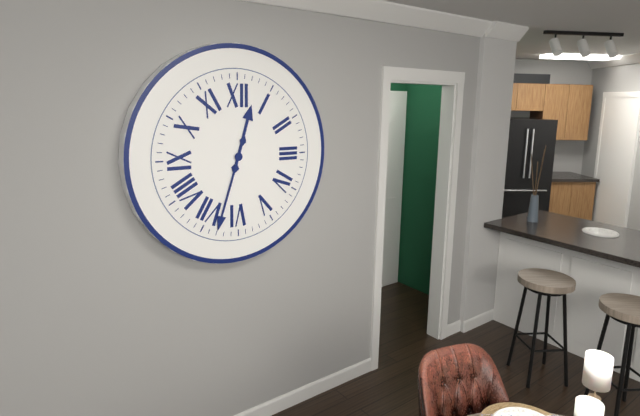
12:33
